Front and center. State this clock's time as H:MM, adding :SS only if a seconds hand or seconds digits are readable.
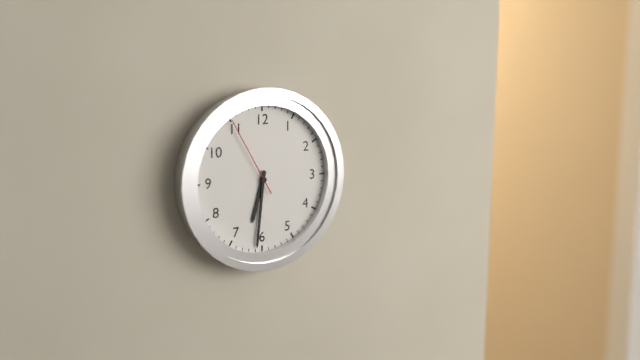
6:31:55
